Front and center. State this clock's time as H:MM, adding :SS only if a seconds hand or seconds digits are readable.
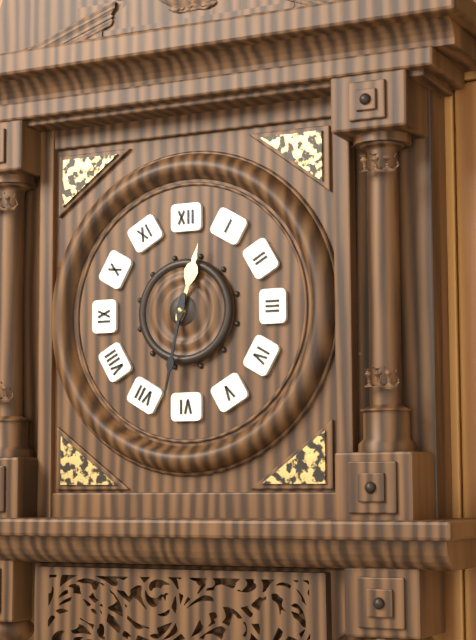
12:32
